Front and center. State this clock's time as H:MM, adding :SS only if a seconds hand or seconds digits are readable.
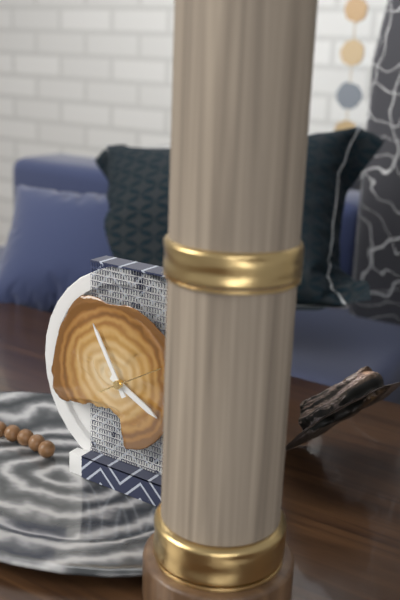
3:55:10
